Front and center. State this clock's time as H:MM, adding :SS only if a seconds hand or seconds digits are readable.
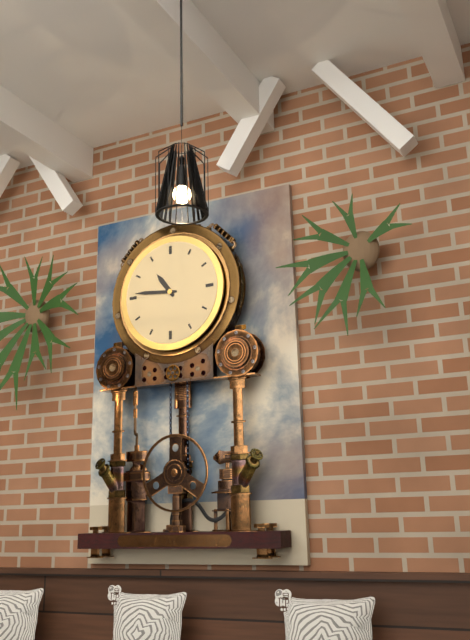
10:46
